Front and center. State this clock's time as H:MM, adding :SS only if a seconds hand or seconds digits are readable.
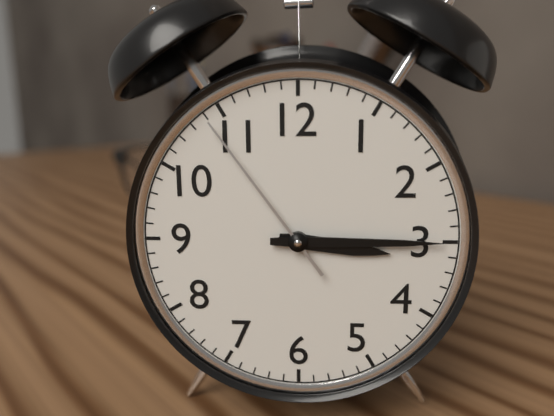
3:15:54
